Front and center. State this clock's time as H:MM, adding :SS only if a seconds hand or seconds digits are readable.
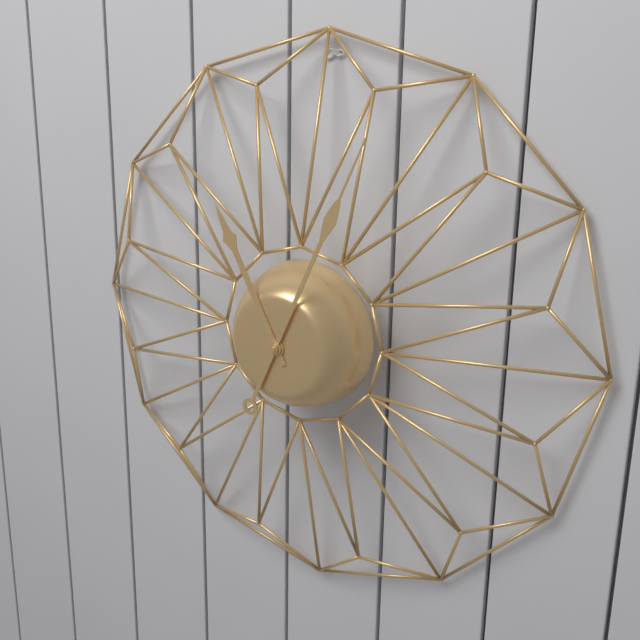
11:04
